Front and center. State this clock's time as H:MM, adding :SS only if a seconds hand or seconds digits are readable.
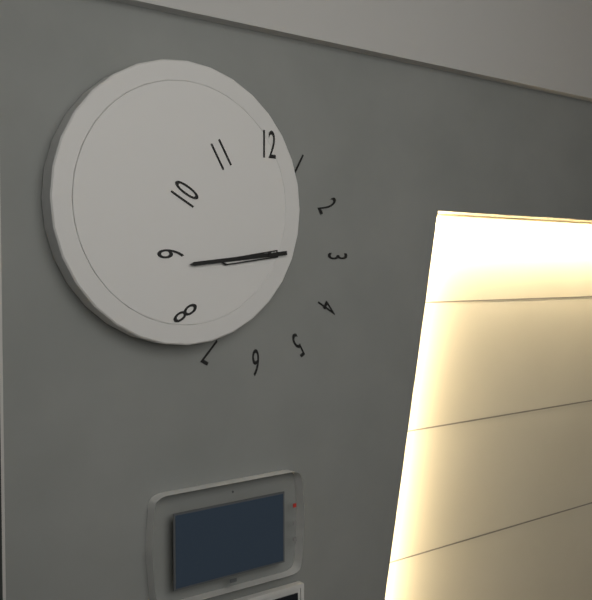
8:44
